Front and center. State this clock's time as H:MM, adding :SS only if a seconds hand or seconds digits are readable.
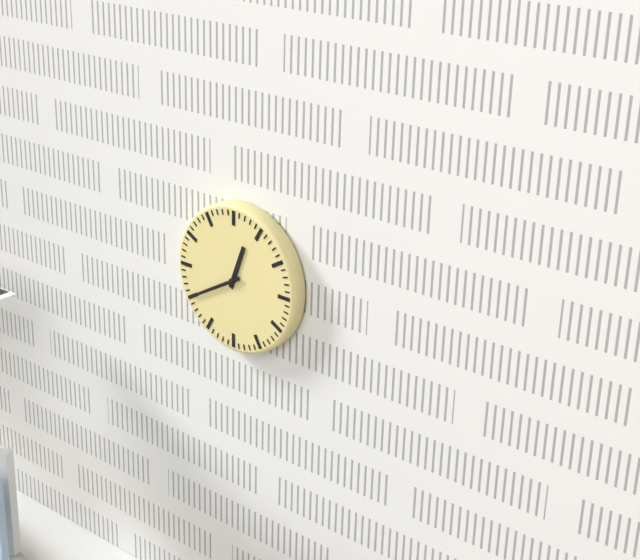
12:40
